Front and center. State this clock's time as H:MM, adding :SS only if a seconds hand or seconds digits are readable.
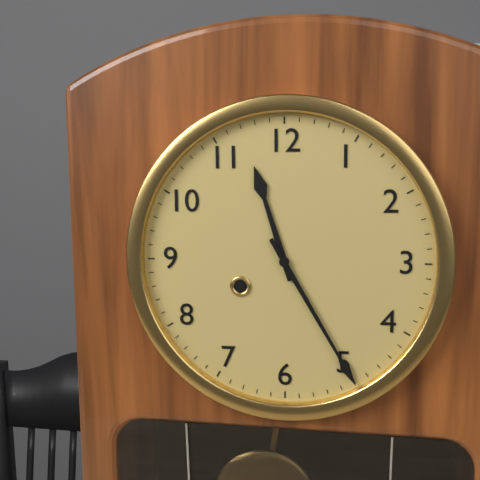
11:25
